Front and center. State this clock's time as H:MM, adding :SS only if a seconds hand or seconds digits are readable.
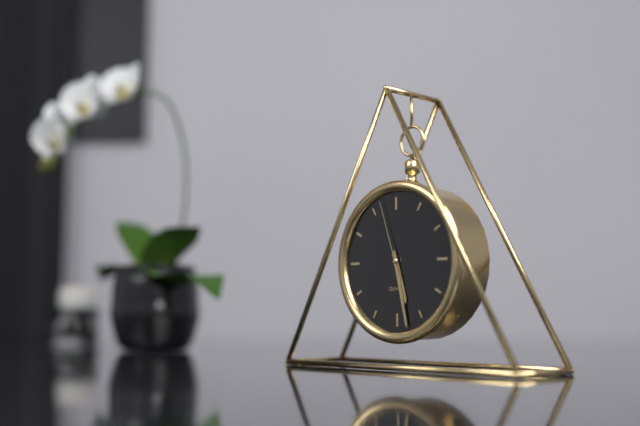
5:28:57
